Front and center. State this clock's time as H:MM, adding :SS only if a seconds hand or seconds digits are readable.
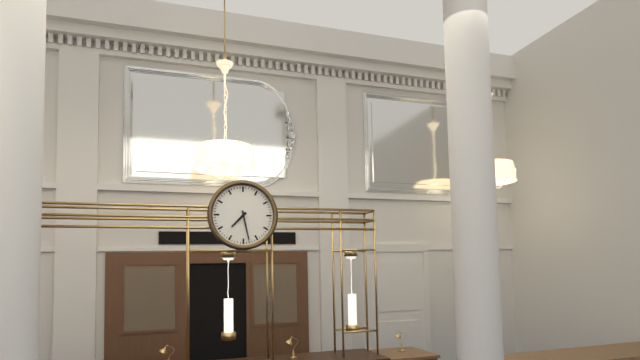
7:28
